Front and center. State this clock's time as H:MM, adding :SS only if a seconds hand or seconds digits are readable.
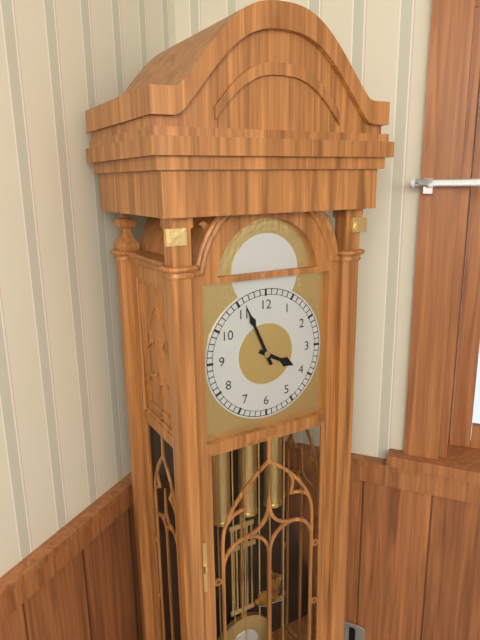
3:56
